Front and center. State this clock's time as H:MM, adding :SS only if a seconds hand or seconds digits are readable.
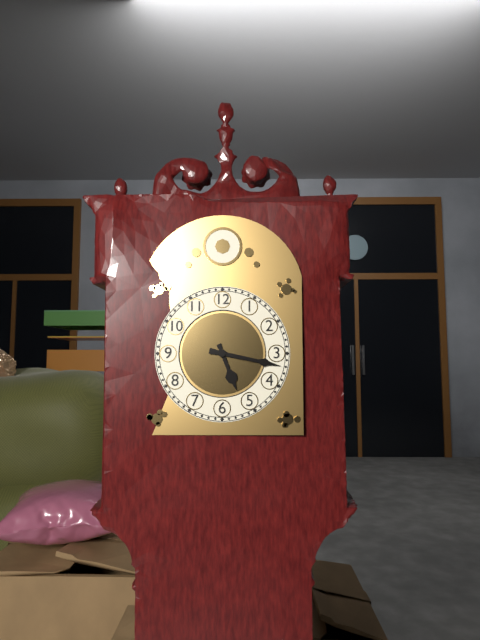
5:17
